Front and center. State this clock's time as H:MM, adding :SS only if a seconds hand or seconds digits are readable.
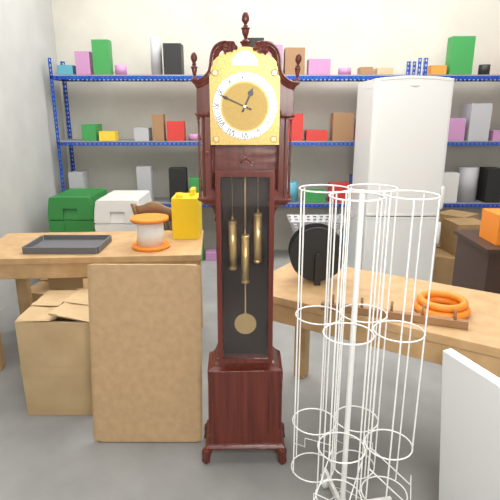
12:49
